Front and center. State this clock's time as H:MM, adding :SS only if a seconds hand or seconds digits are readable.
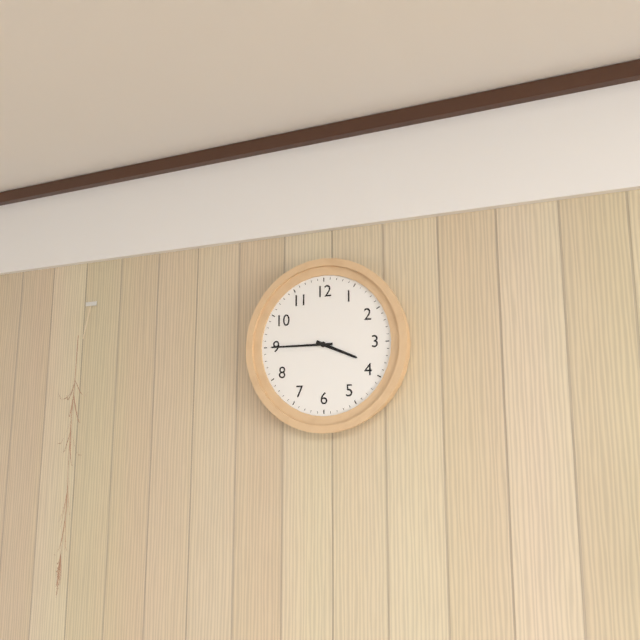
3:45
